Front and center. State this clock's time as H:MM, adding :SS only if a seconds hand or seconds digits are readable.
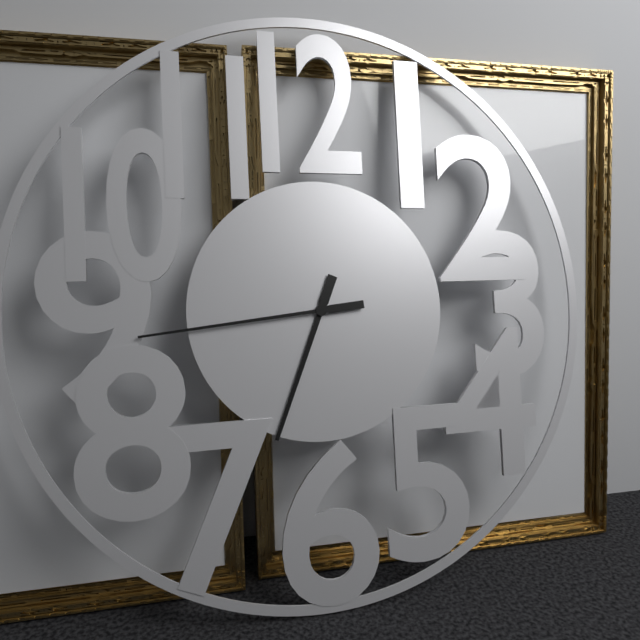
6:44
